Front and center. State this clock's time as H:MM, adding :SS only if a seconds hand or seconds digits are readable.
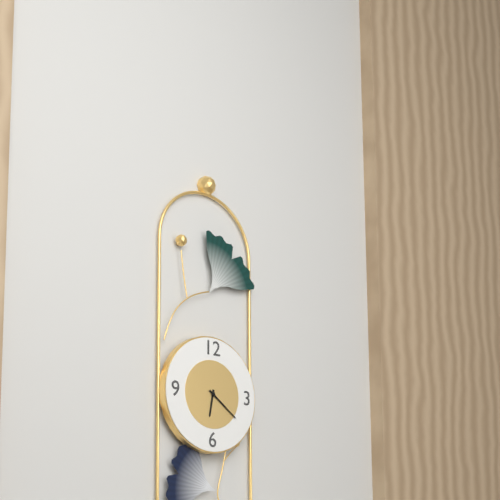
6:21
